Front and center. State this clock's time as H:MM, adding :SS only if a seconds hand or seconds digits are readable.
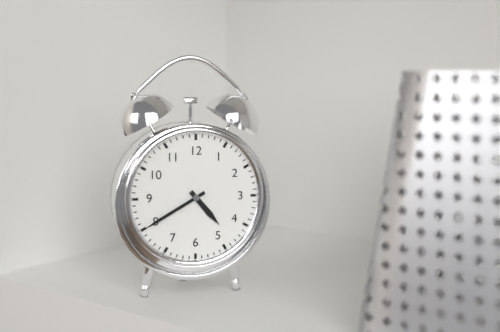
4:40
